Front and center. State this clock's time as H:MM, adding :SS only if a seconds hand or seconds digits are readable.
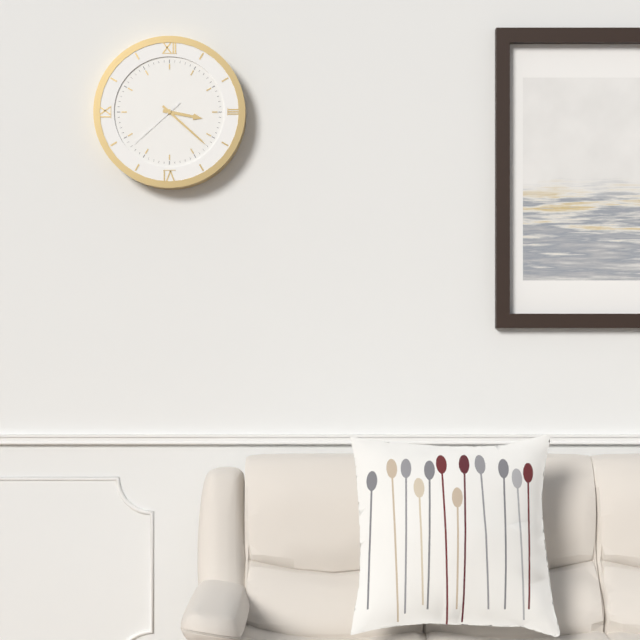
3:22:38
